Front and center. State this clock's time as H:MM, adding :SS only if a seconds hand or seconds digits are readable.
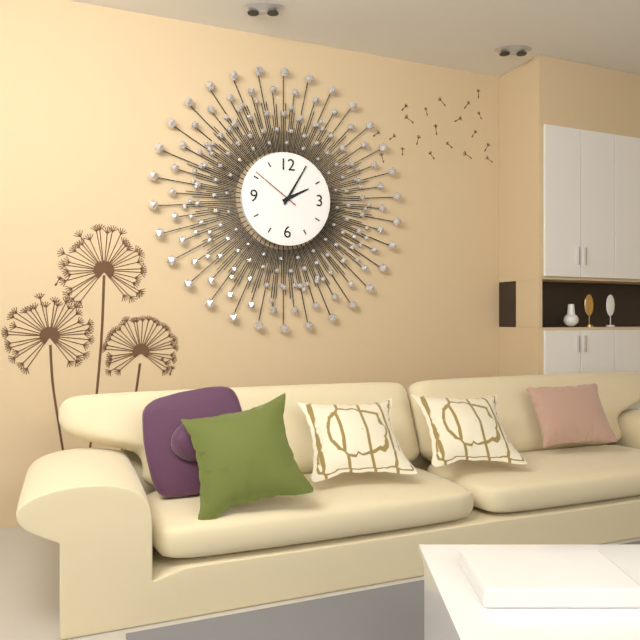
2:05:51
